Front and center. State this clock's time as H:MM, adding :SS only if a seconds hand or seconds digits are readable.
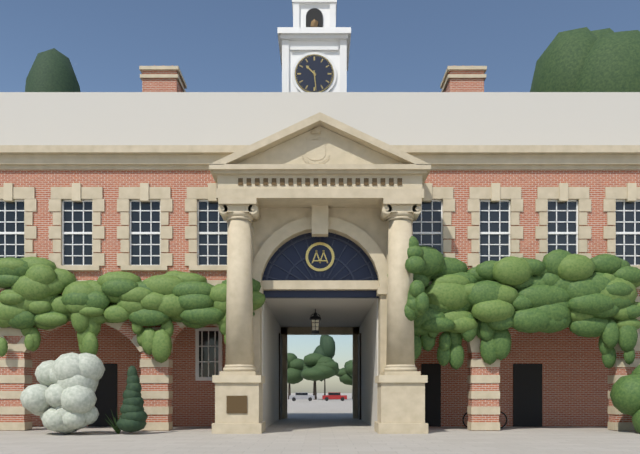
10:29
